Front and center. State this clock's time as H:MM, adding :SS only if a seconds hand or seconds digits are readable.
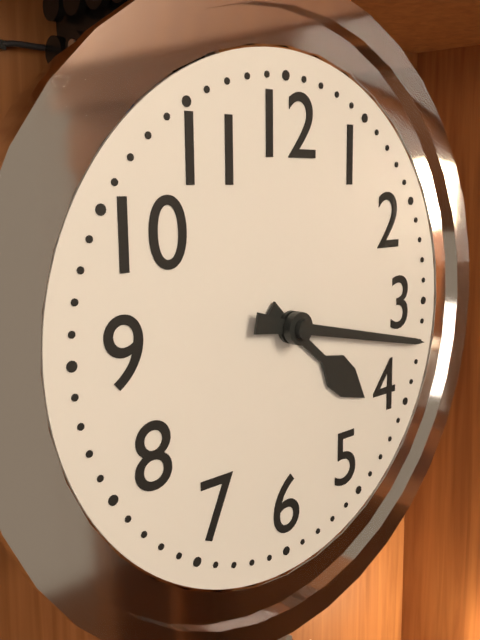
4:17
